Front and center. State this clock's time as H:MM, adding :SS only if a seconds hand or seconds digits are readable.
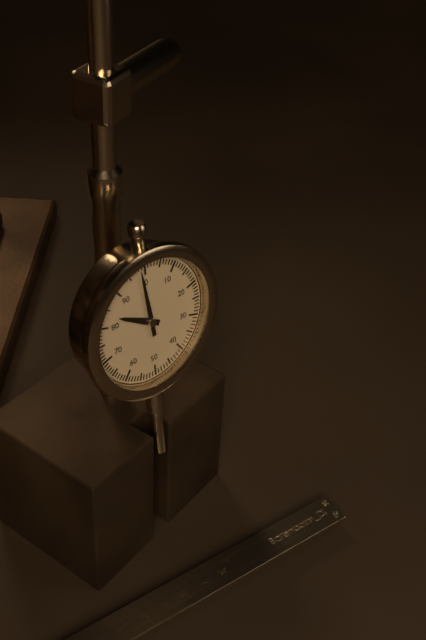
9:59
